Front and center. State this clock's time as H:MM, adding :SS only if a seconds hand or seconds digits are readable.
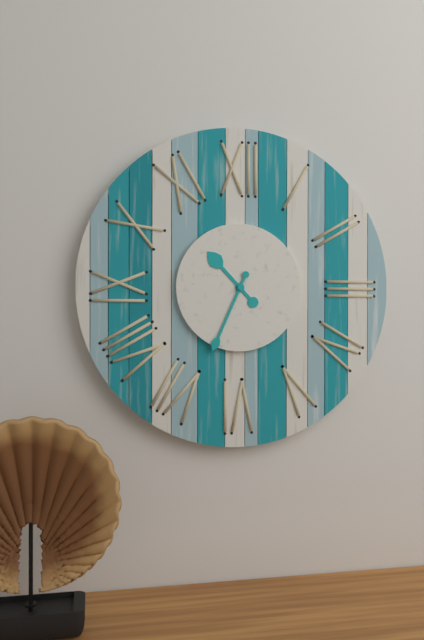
10:34
